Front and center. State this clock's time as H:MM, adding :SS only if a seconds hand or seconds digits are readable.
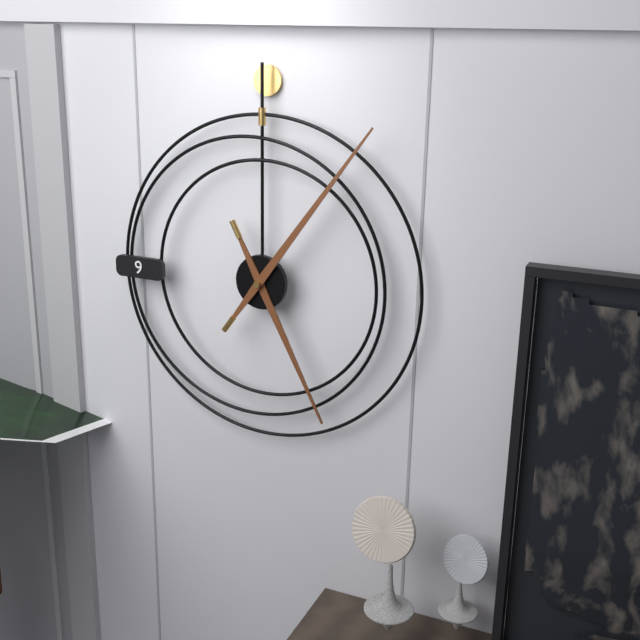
5:06
